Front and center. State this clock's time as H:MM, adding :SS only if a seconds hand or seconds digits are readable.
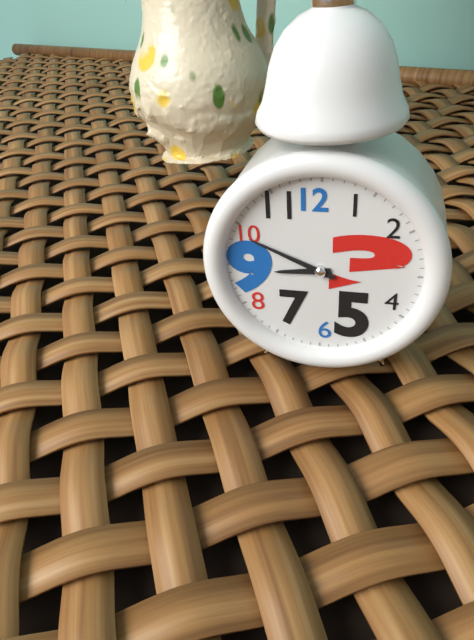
8:49
